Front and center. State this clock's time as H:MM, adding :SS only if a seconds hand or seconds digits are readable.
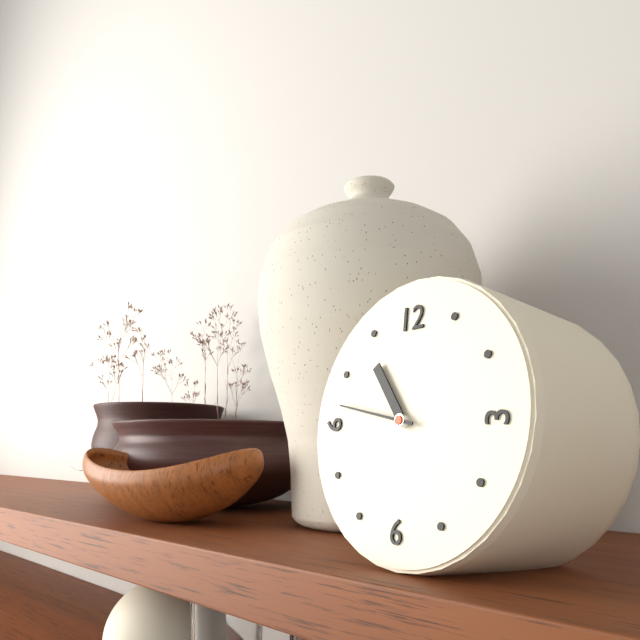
10:47
